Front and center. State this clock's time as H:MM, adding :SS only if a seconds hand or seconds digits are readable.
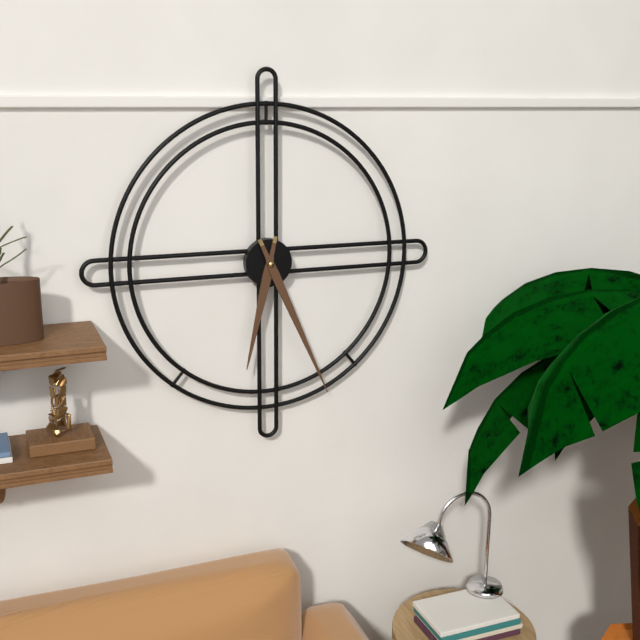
6:26
